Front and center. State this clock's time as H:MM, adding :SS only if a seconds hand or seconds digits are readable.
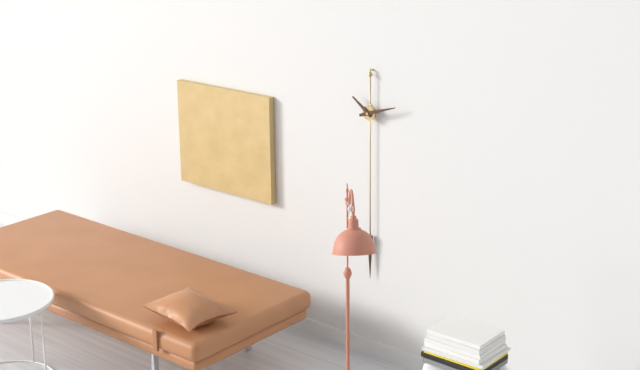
10:12
